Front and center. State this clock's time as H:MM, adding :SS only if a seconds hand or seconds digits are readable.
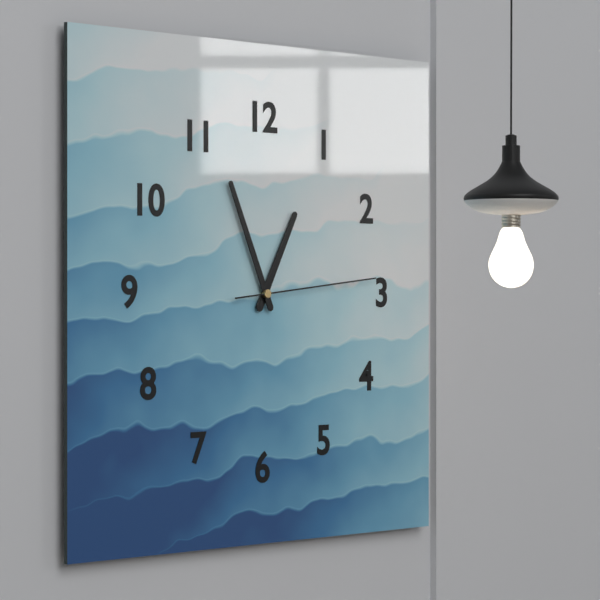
12:56:14
